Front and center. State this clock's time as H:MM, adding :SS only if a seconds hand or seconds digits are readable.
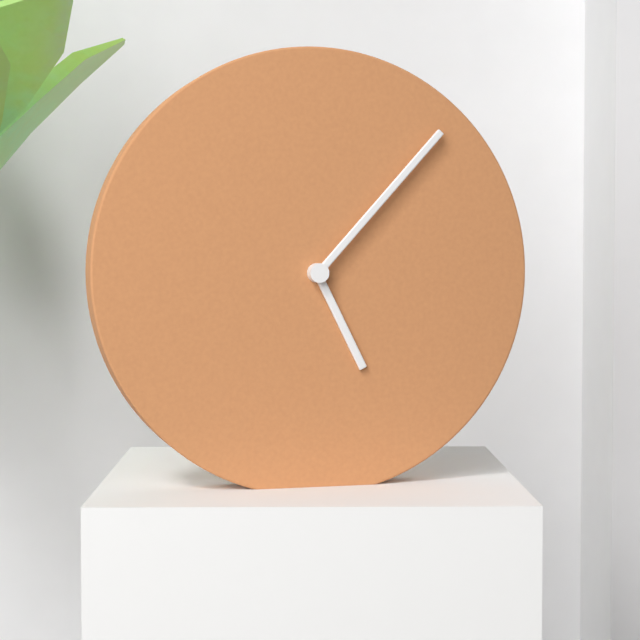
5:07
